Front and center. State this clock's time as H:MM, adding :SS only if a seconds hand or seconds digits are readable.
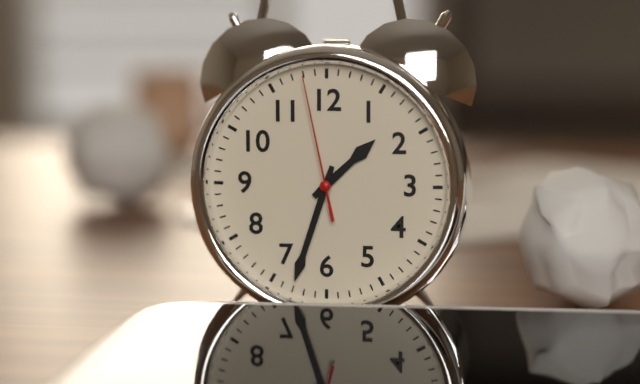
1:33:58
